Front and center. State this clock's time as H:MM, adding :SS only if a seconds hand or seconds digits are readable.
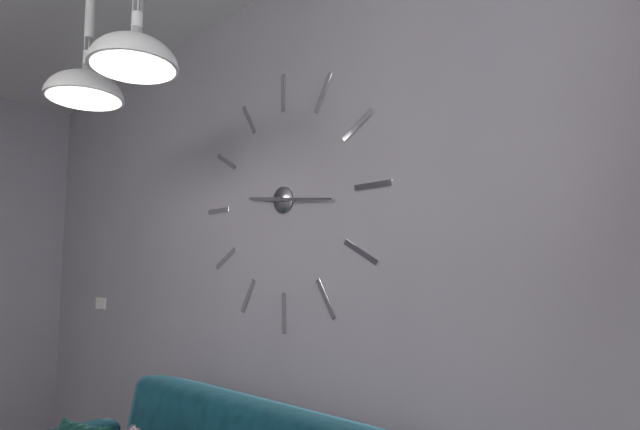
9:16
